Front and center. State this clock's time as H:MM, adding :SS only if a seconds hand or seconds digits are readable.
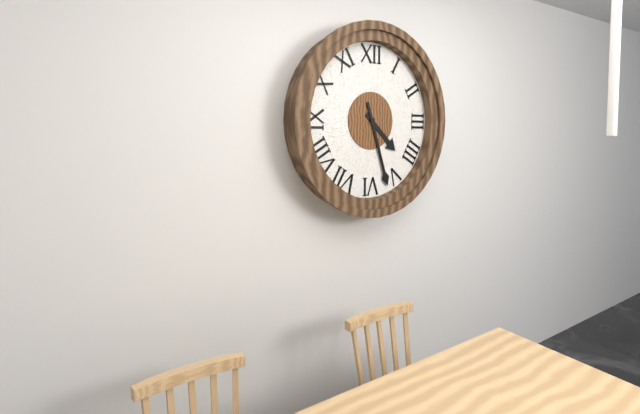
4:27
